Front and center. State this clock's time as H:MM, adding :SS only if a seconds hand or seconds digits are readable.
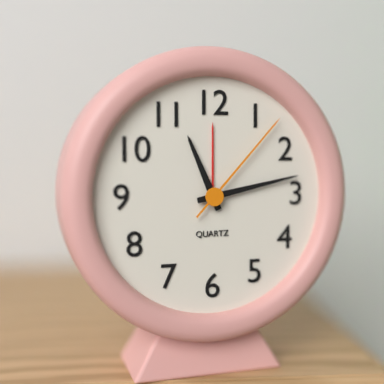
11:13:07
